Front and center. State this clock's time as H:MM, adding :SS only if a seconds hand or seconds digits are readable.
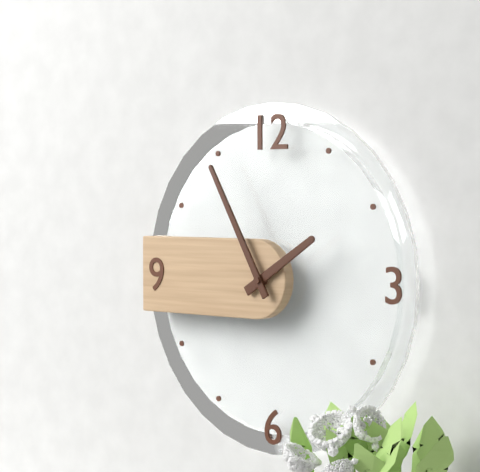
1:55
